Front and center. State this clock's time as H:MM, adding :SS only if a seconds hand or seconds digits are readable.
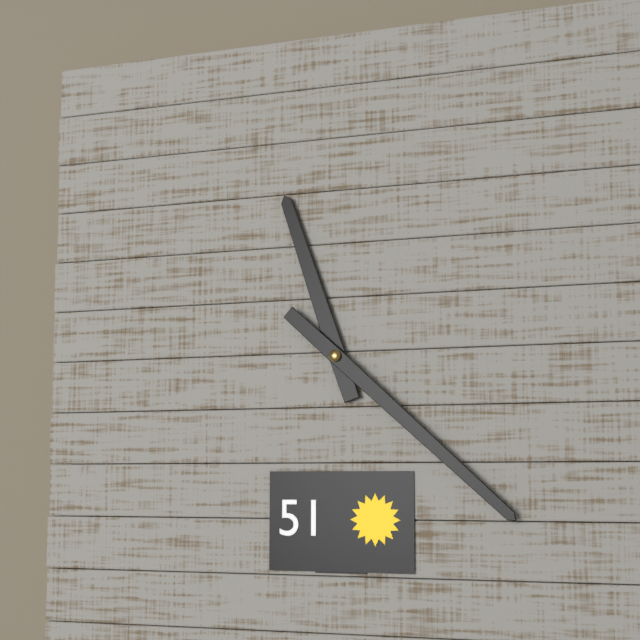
11:22
